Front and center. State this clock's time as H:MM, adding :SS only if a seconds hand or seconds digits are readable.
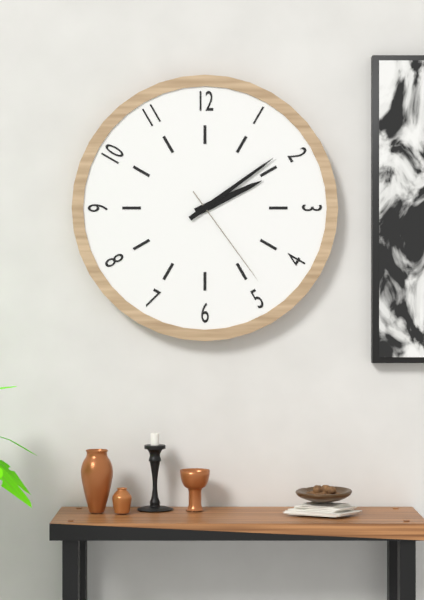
2:09:24
